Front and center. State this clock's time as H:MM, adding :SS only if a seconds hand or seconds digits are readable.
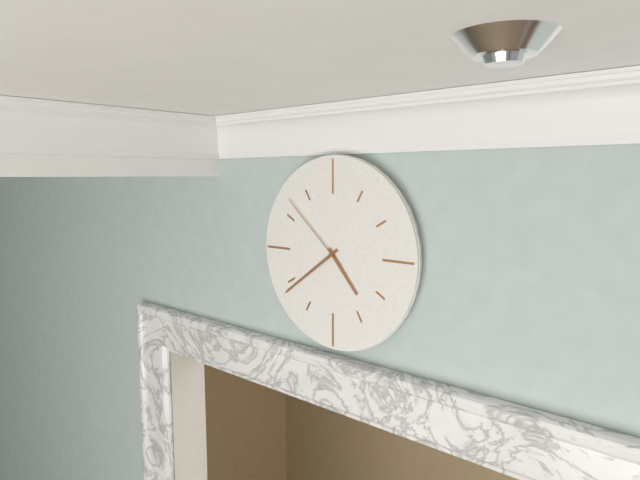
4:39:52
